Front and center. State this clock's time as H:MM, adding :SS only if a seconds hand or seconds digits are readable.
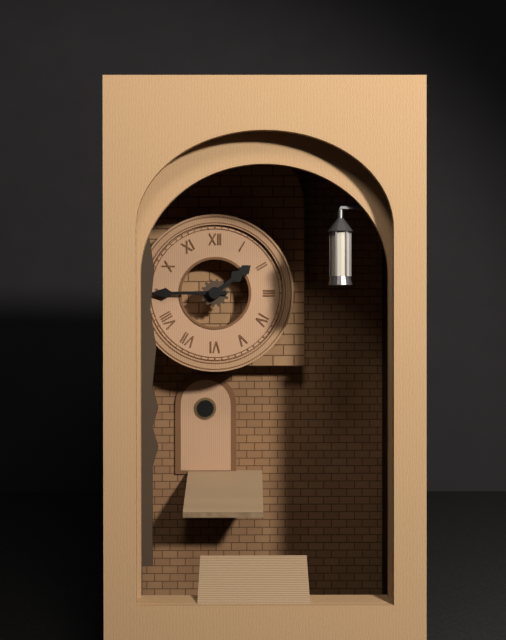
1:45
